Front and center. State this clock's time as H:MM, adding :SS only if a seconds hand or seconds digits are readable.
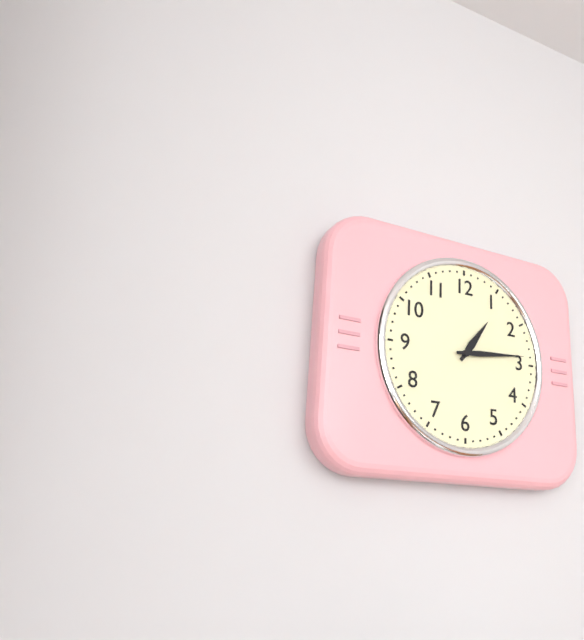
1:14
